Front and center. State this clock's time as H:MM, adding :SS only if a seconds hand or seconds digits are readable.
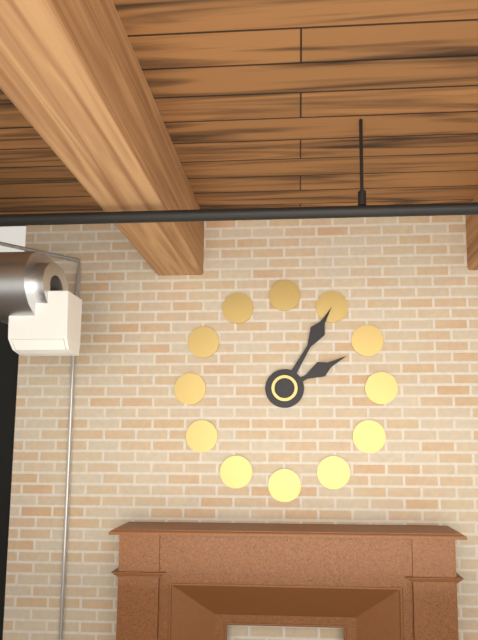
2:05
